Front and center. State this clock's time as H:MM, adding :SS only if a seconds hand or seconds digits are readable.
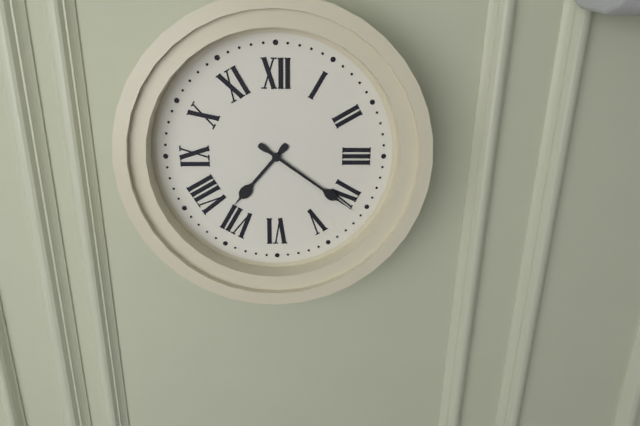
7:21
